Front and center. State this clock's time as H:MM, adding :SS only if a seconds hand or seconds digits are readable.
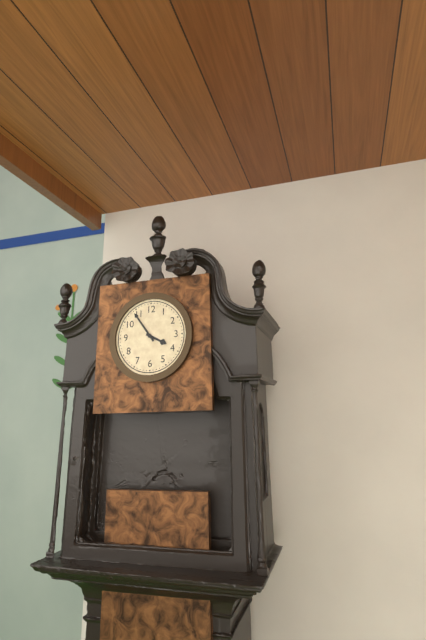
3:54
